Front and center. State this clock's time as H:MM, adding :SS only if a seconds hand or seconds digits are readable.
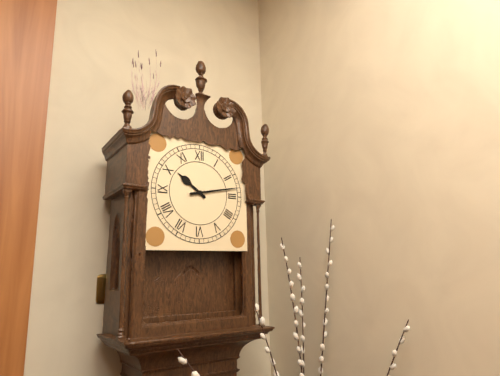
10:13
